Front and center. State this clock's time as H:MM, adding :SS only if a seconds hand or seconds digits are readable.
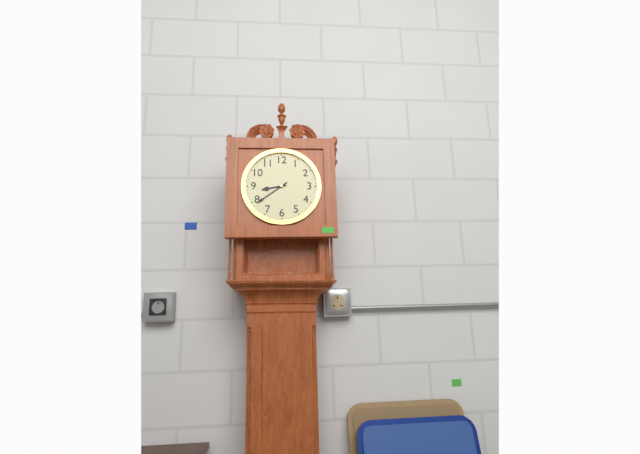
8:39
